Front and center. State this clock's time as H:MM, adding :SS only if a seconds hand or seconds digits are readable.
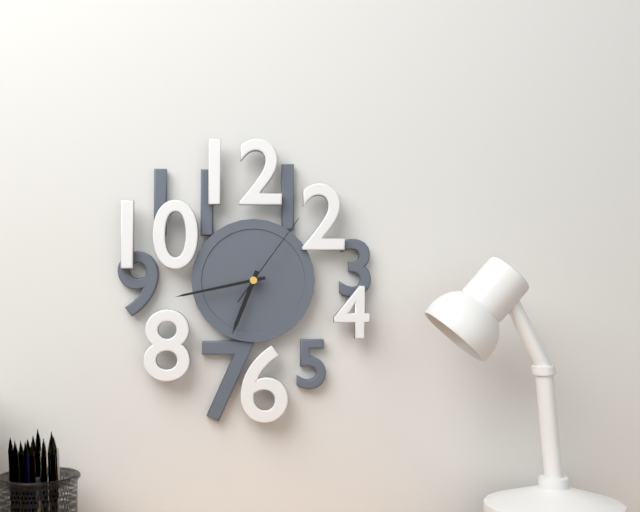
6:43:06
